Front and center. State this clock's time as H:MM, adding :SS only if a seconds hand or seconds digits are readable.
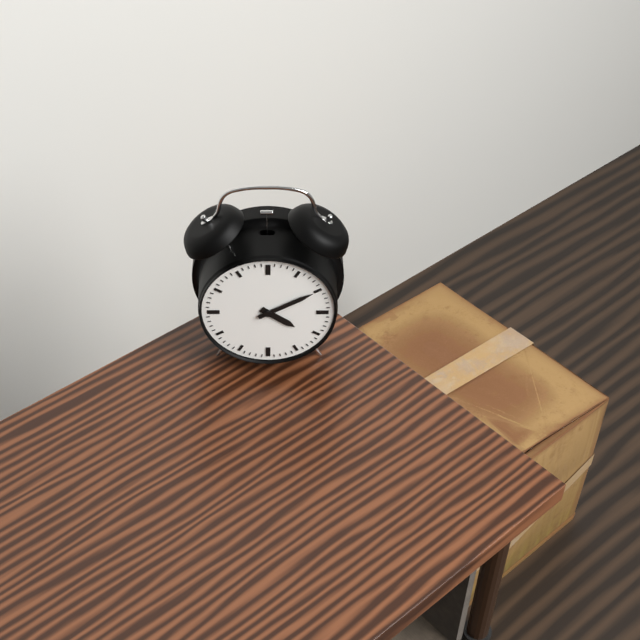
4:10
